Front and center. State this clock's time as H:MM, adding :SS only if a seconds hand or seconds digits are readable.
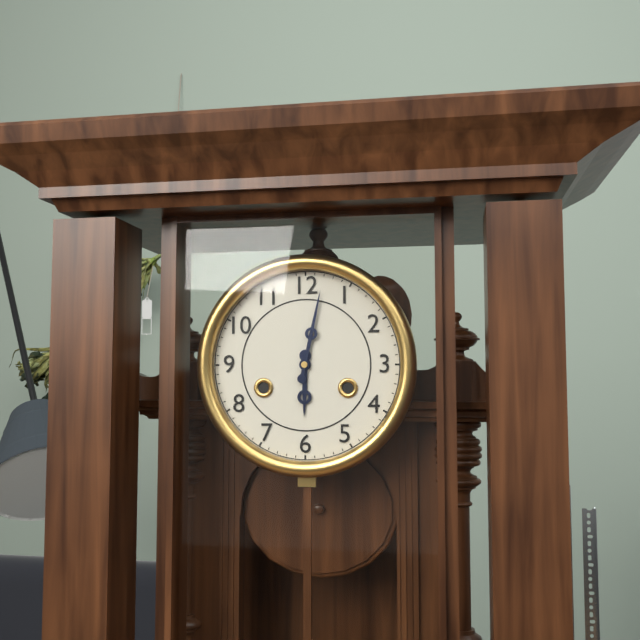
6:02
